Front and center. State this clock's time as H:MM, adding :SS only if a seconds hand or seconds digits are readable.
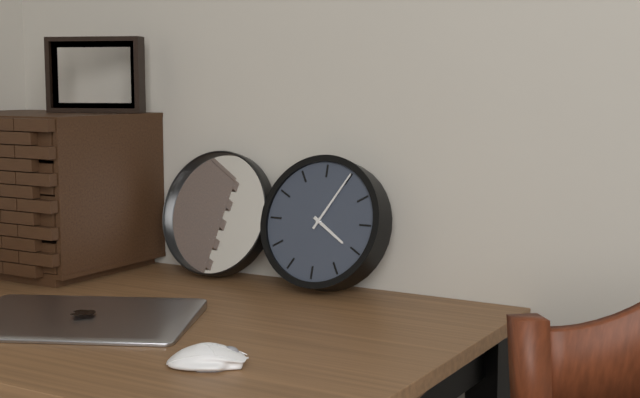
4:05
